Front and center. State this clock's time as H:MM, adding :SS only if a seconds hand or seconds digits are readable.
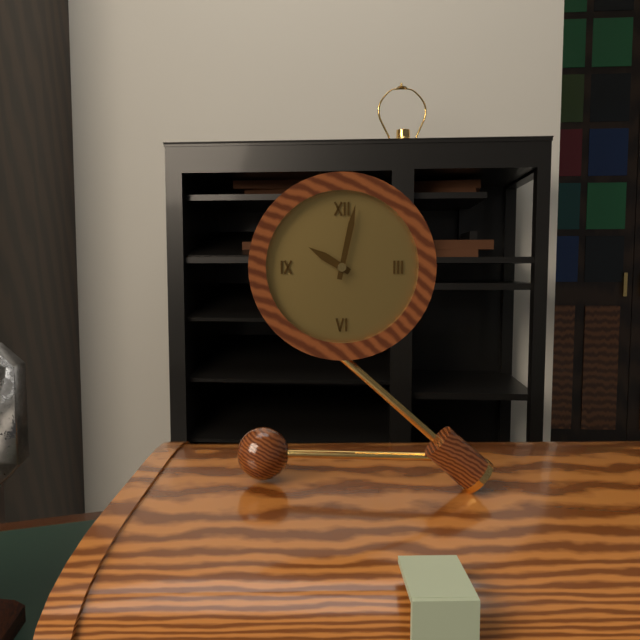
10:02
